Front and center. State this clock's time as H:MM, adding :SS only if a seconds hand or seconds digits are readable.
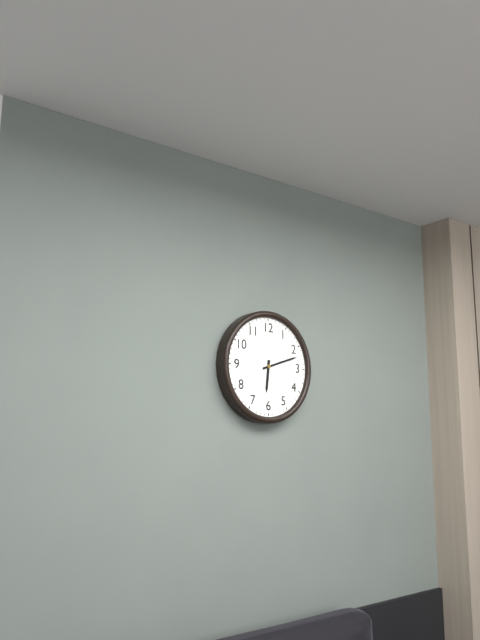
6:12
